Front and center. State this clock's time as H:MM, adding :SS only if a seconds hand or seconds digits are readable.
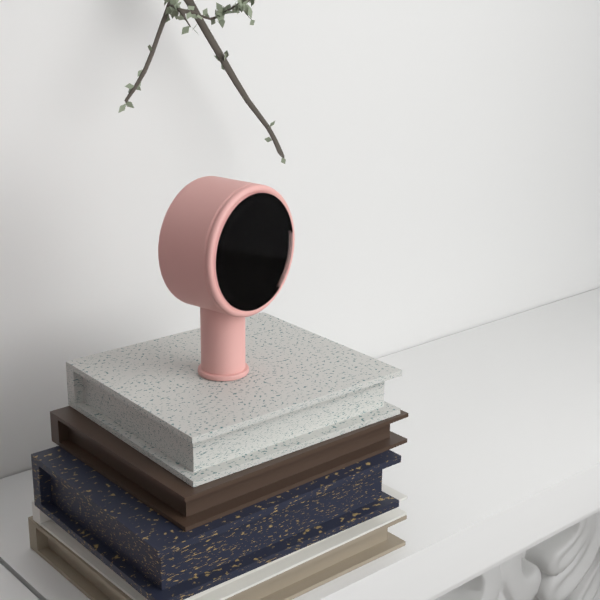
1:10
